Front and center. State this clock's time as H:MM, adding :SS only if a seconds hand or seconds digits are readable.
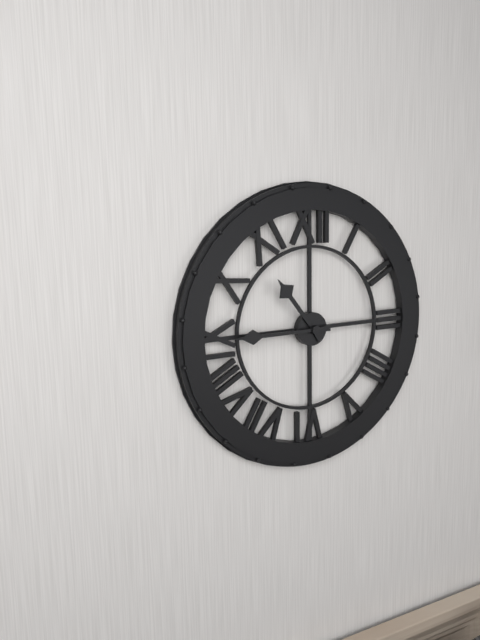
10:45
